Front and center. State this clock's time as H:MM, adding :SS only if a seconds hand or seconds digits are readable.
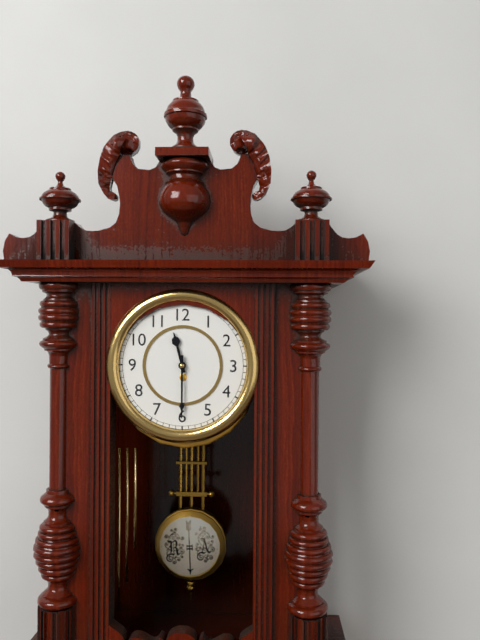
11:30
